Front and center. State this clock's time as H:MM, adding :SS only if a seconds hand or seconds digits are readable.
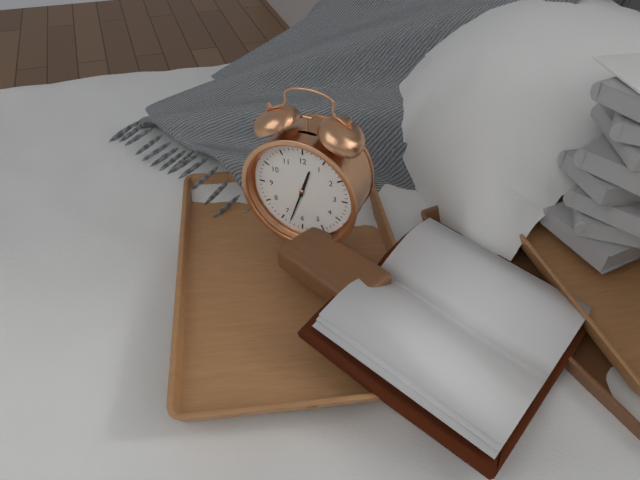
12:33
